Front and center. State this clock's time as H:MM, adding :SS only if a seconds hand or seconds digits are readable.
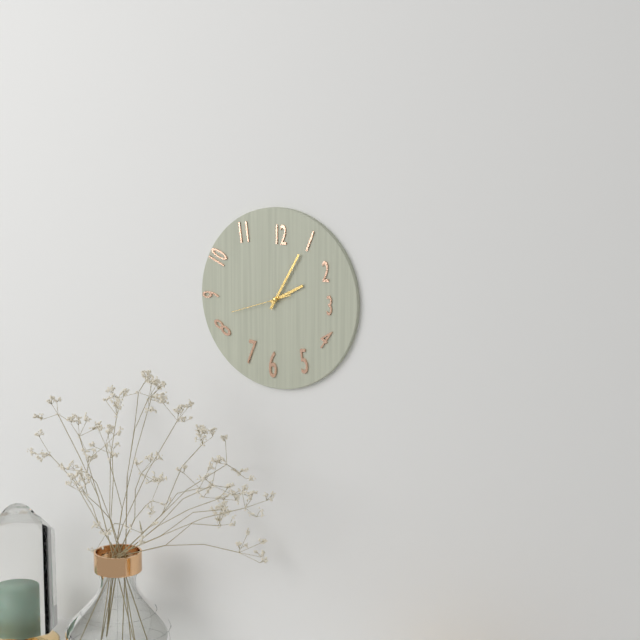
2:05:42
